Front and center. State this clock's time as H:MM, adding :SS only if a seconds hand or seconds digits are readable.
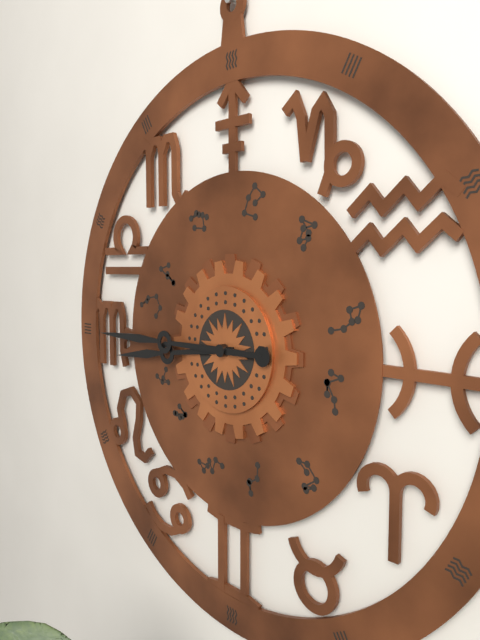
8:45
